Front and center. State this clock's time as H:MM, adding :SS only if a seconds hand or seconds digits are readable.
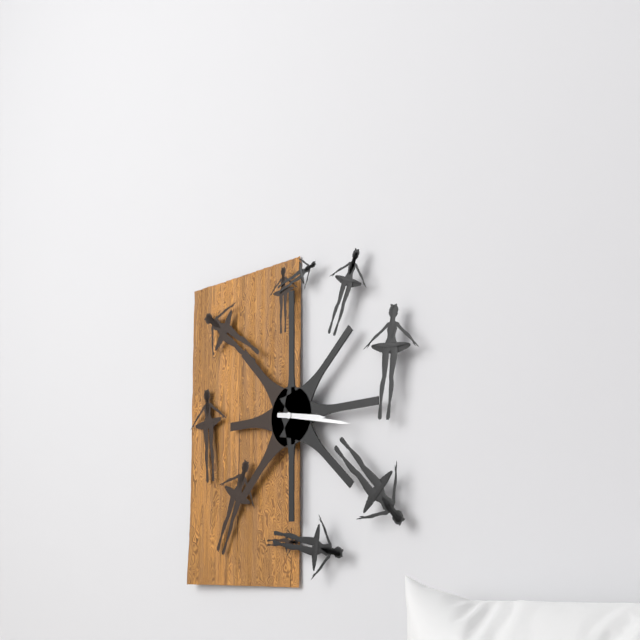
3:17
